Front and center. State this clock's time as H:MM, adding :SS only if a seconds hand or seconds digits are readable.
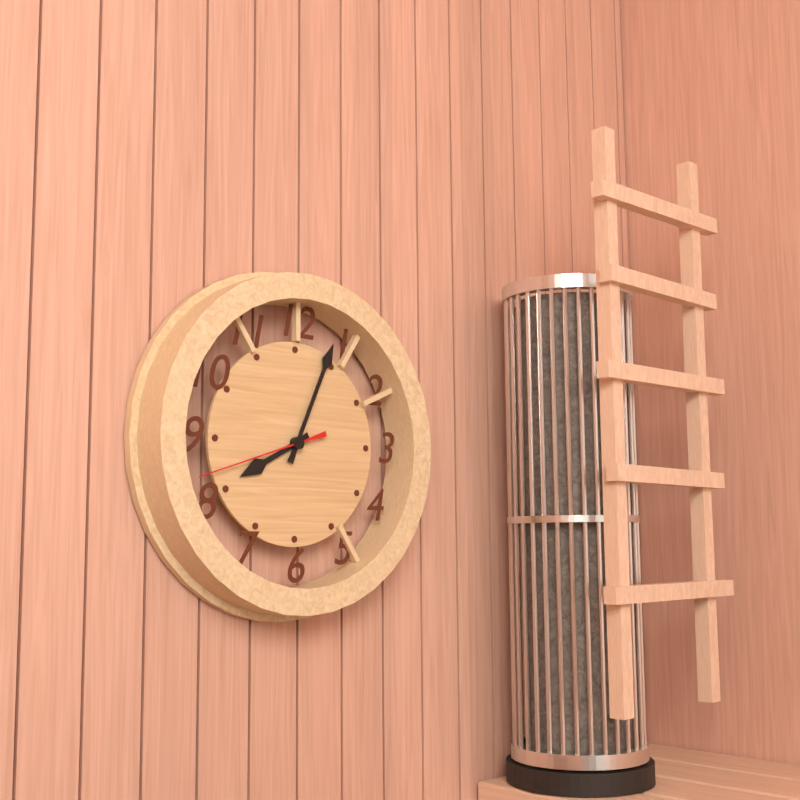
8:04:42
